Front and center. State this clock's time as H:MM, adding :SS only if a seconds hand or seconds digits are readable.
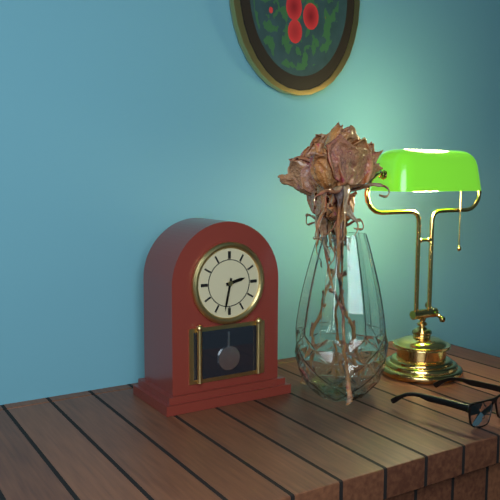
2:32
